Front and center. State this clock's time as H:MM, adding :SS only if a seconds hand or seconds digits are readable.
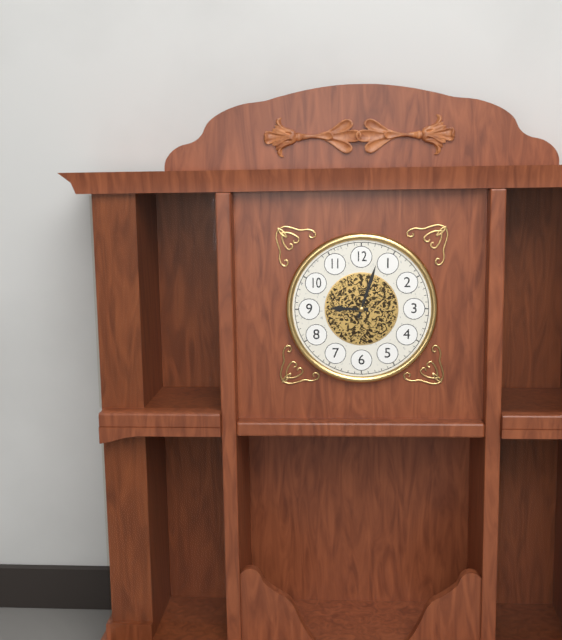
9:03
